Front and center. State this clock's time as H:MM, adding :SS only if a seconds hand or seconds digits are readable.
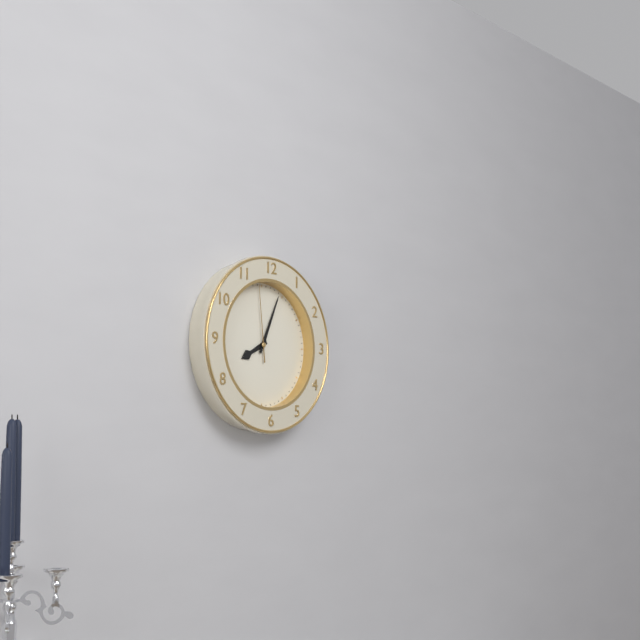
8:04:59
